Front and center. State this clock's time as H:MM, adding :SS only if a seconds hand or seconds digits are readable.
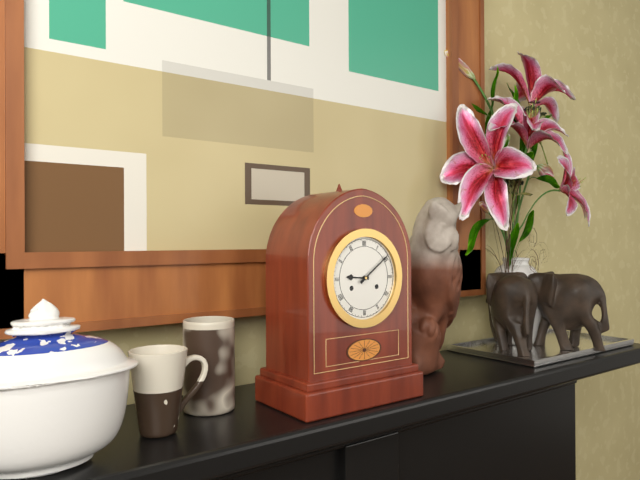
9:09
